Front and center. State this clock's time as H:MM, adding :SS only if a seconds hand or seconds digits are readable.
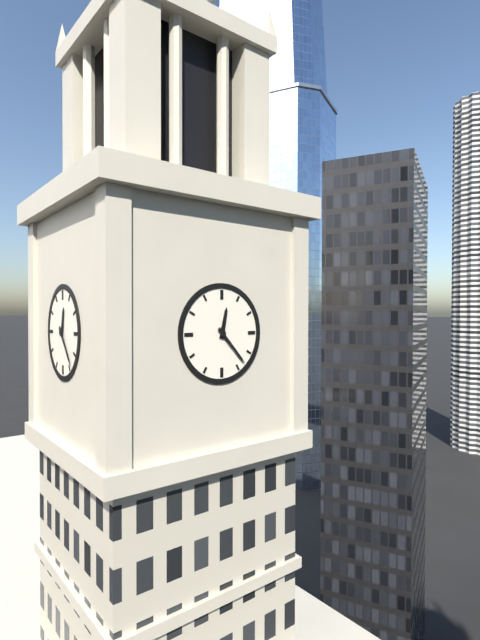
12:23
